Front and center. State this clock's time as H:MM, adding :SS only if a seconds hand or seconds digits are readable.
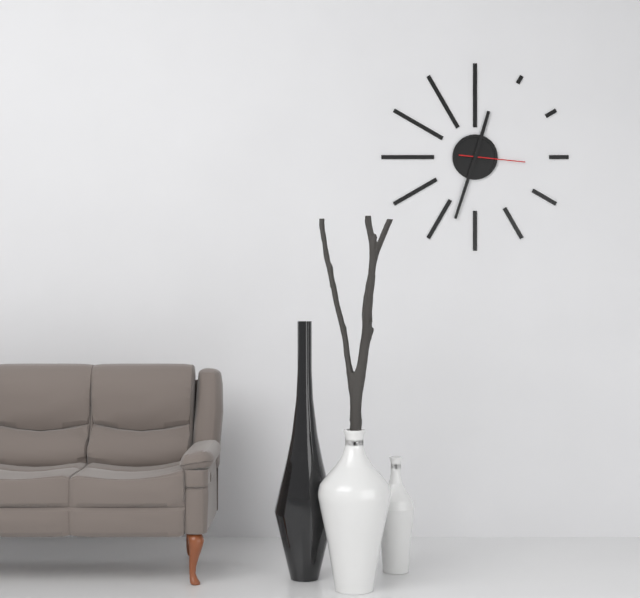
12:33:16
